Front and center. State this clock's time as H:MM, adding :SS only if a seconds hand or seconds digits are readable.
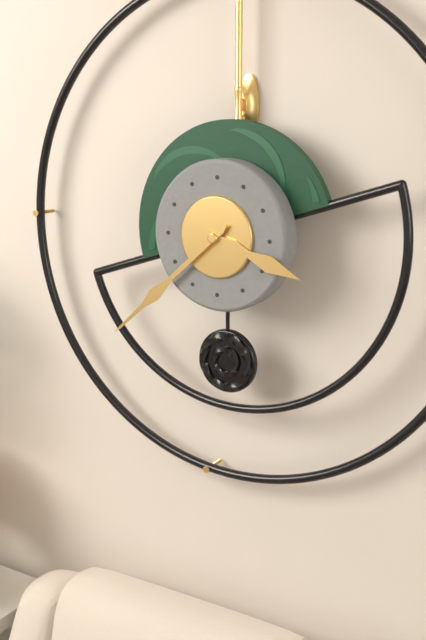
3:38
